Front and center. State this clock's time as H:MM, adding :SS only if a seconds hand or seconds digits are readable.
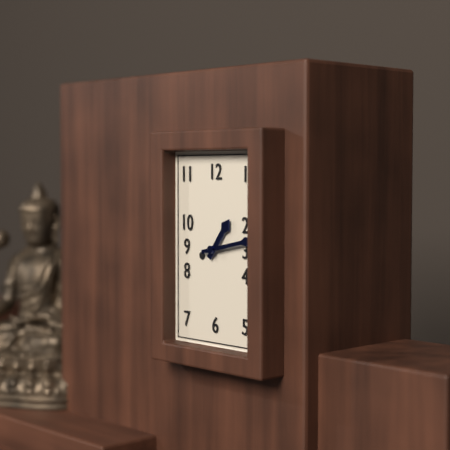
1:13
